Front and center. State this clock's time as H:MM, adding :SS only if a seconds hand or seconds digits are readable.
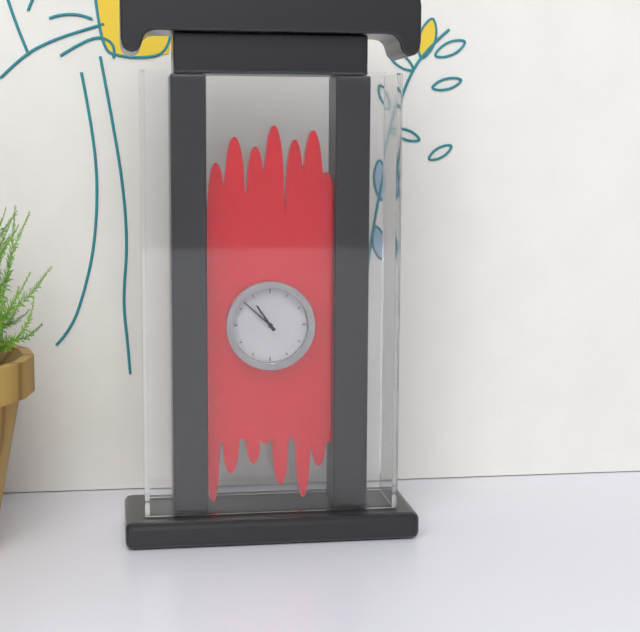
10:52
